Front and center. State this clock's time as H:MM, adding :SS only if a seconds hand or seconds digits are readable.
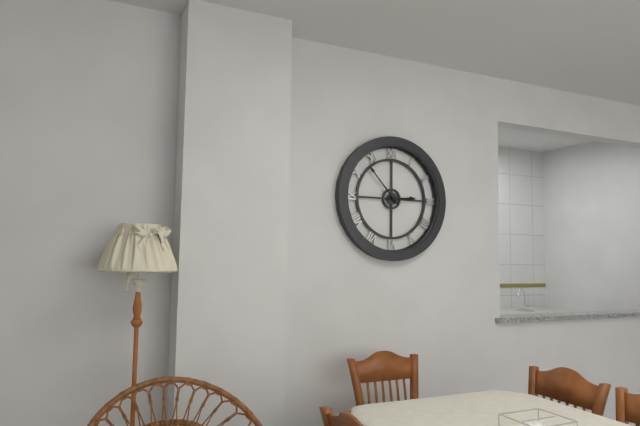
2:53
